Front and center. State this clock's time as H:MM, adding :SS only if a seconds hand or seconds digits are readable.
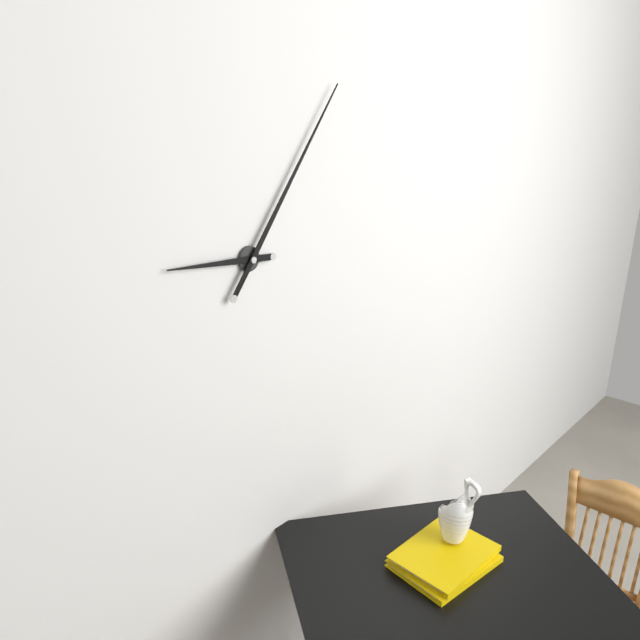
9:06
